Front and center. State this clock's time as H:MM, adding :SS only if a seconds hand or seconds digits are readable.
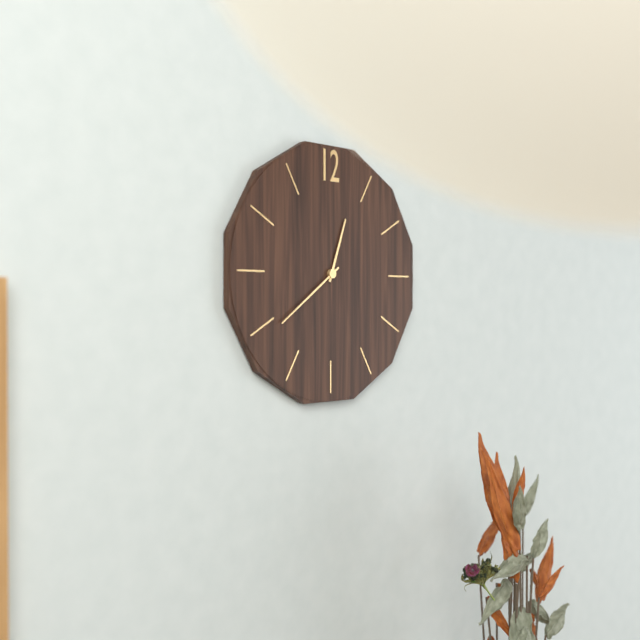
12:39
